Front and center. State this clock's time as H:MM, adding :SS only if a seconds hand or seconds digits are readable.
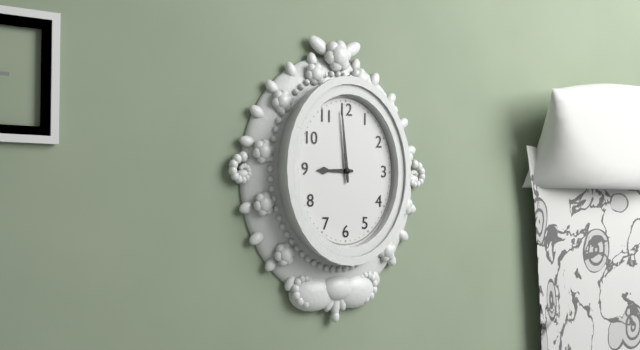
8:59
